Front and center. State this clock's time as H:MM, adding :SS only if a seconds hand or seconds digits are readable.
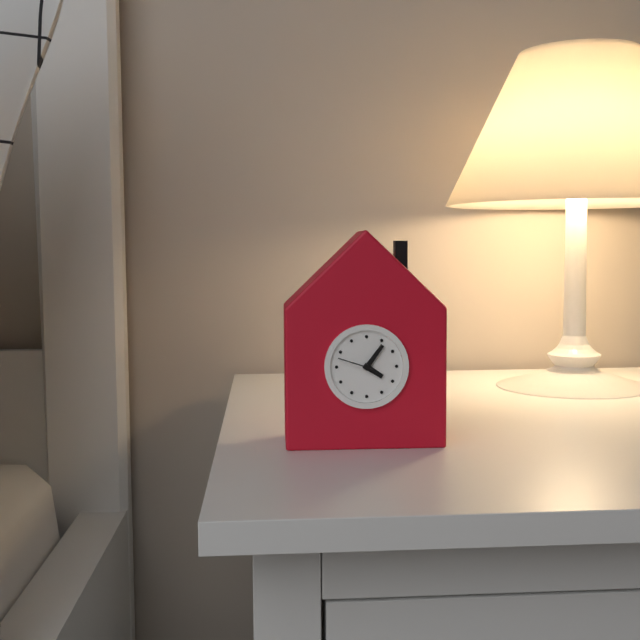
4:06
